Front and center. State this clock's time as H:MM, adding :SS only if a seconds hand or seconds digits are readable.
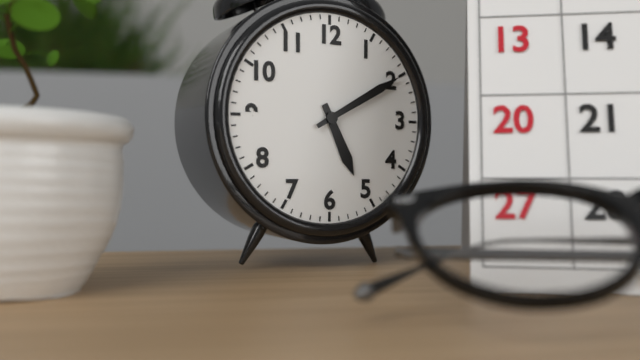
5:10
